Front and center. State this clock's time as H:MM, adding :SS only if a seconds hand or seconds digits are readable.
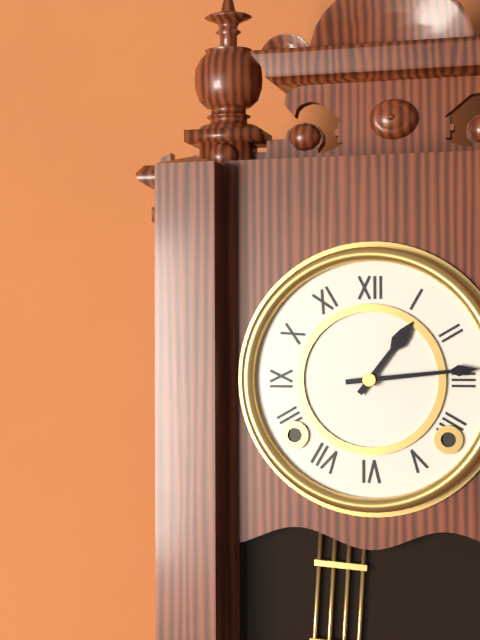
1:14
